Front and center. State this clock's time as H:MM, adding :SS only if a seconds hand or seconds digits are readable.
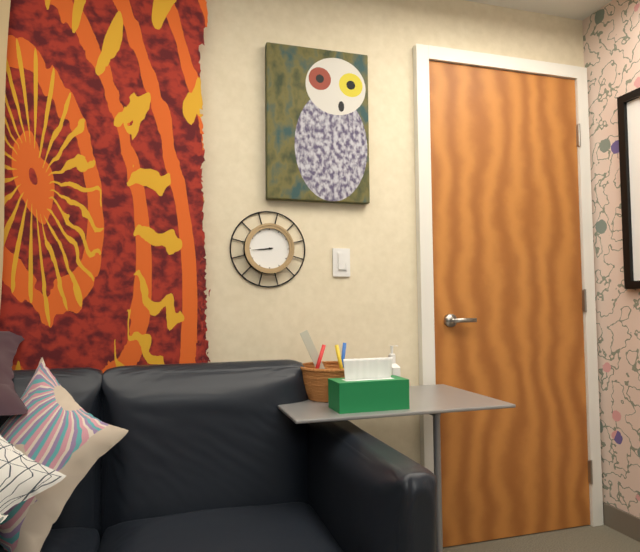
8:44
